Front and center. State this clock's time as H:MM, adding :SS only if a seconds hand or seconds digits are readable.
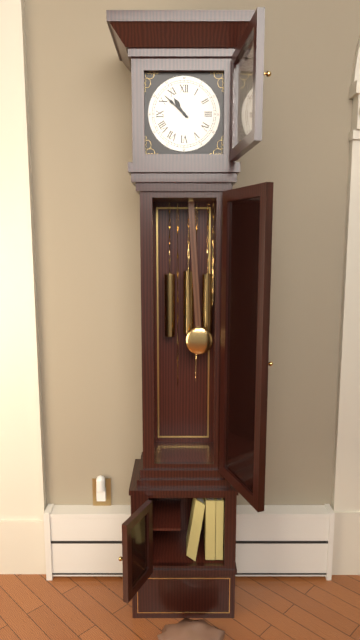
10:52
